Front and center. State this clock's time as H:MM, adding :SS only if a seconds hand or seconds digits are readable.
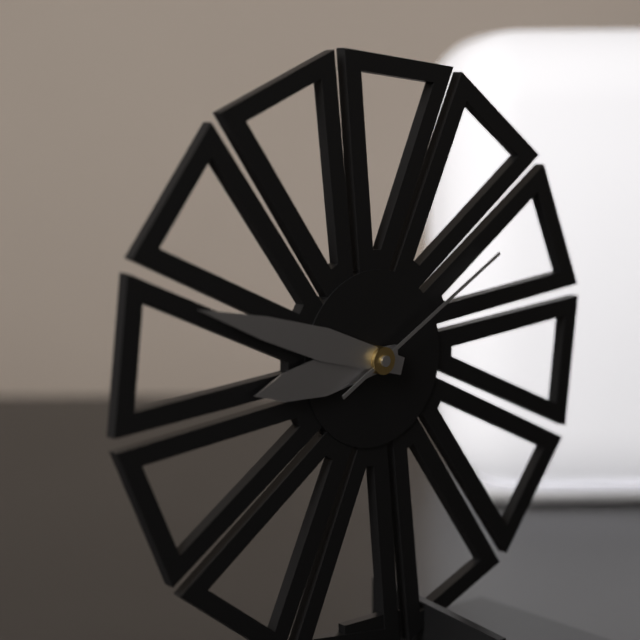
8:48:10
